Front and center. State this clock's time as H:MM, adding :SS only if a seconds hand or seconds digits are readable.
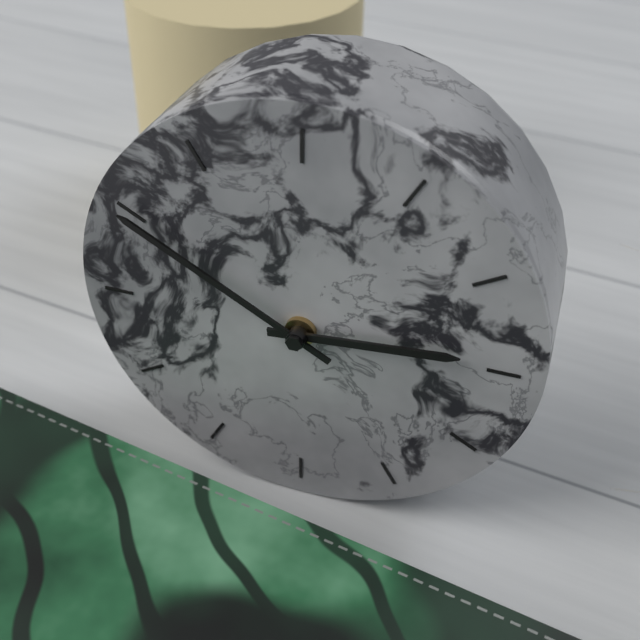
2:50
